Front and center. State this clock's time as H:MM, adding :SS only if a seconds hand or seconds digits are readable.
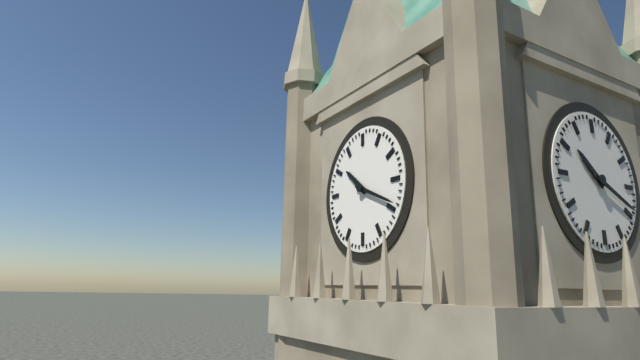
10:19
